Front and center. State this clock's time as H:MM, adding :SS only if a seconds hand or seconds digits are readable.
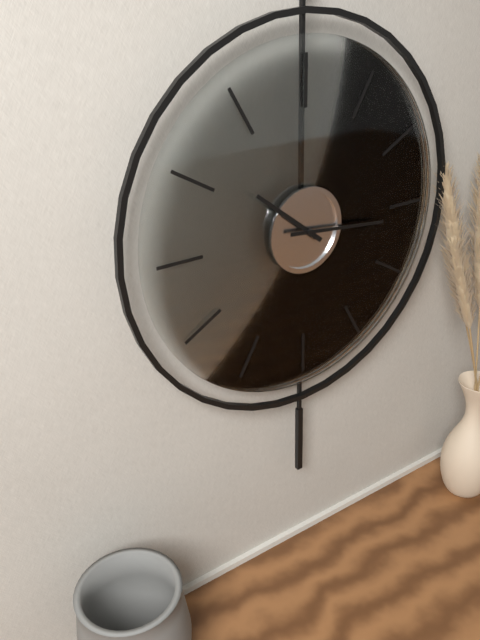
10:16
